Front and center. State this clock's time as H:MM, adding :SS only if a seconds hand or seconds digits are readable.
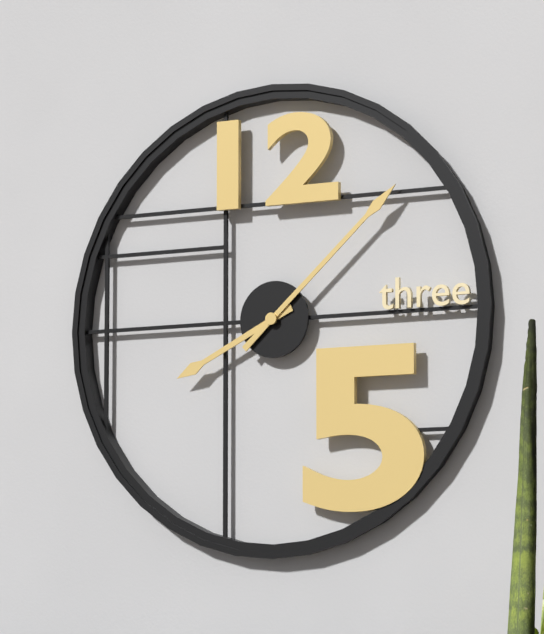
8:08
